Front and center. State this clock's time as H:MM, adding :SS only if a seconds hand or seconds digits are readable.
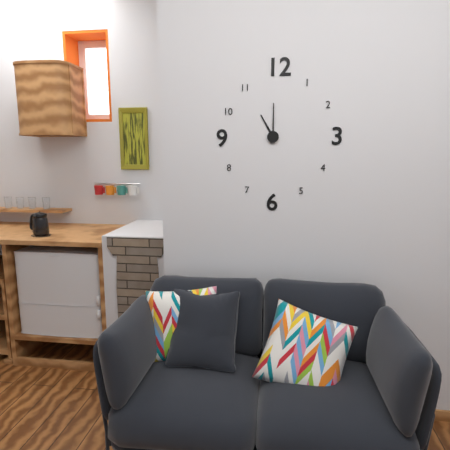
11:00
